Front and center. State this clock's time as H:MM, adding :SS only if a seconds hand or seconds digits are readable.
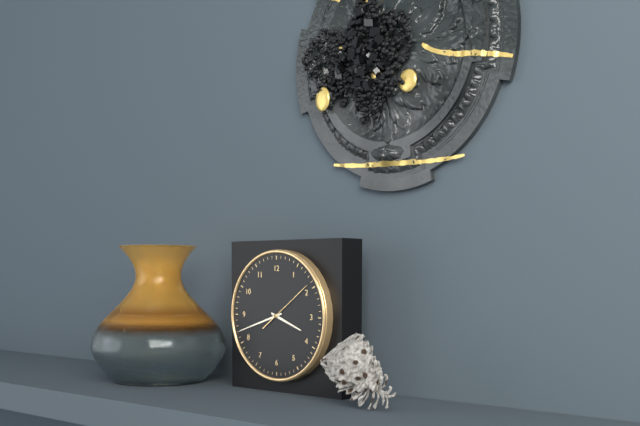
3:42:09
